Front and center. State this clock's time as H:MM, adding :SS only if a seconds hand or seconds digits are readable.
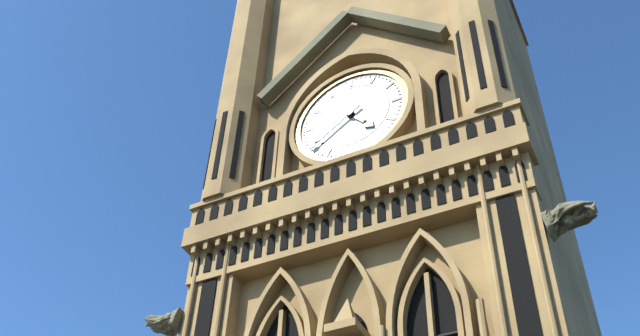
4:39
